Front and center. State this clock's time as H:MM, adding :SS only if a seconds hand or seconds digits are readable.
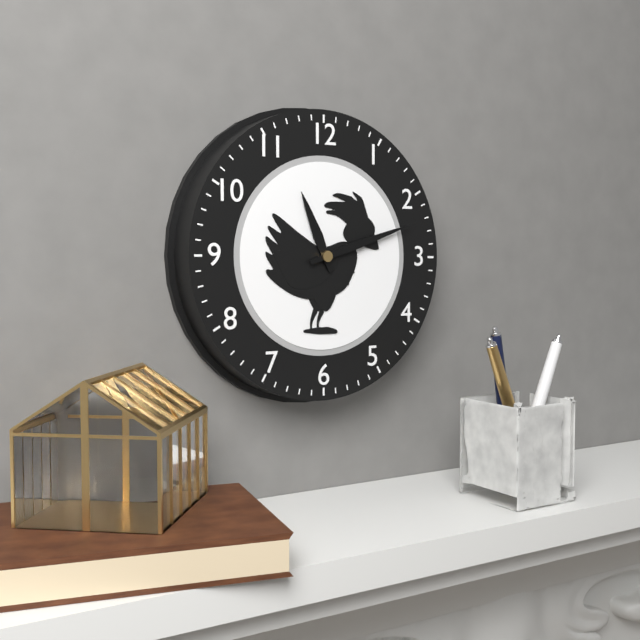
11:12
